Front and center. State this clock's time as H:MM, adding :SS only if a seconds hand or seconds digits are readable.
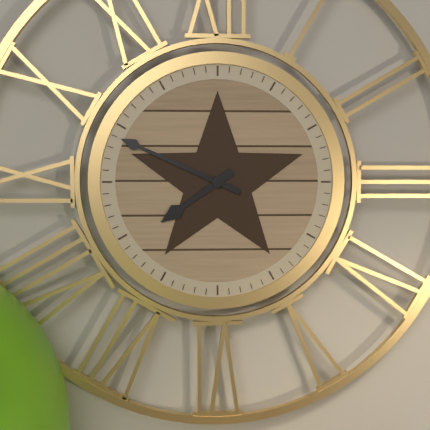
7:49
